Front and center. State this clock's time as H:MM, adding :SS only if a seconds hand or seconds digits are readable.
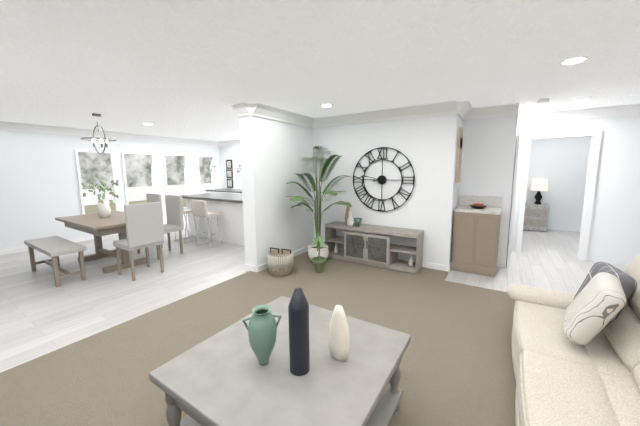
8:47
